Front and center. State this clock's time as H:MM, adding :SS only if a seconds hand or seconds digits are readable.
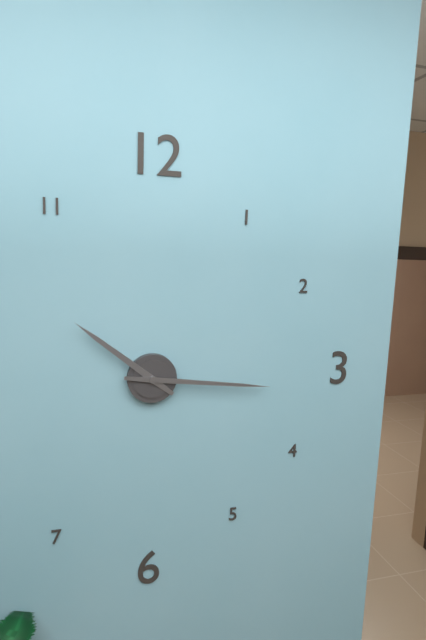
10:16
